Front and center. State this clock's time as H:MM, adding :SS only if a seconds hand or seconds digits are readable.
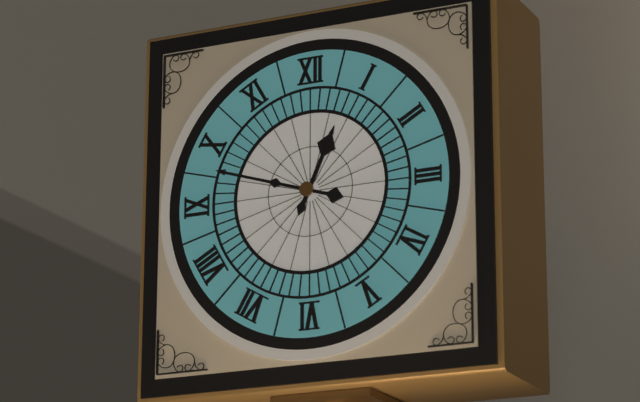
12:48
